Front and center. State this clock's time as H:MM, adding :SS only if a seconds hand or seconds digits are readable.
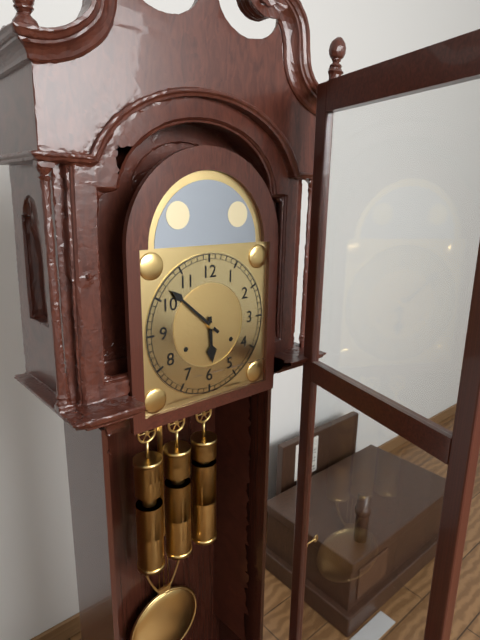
5:52
